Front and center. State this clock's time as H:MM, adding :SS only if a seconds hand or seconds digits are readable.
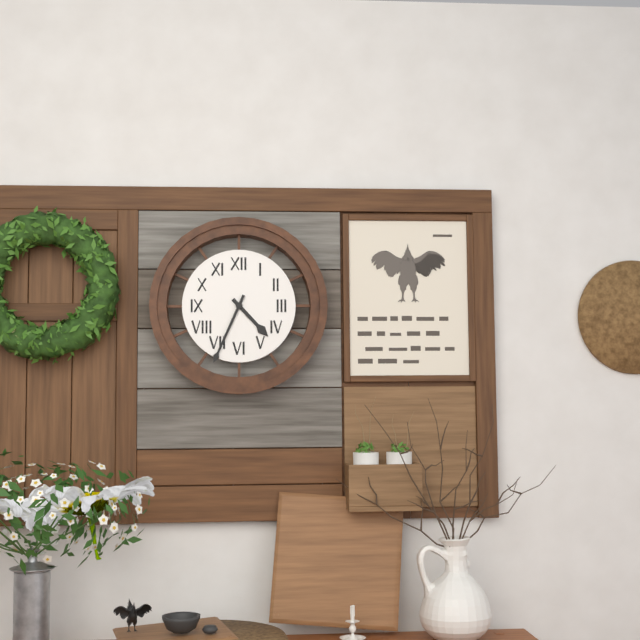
4:34
